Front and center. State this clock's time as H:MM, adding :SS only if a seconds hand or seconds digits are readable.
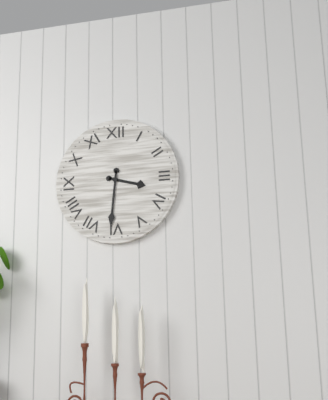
3:31
